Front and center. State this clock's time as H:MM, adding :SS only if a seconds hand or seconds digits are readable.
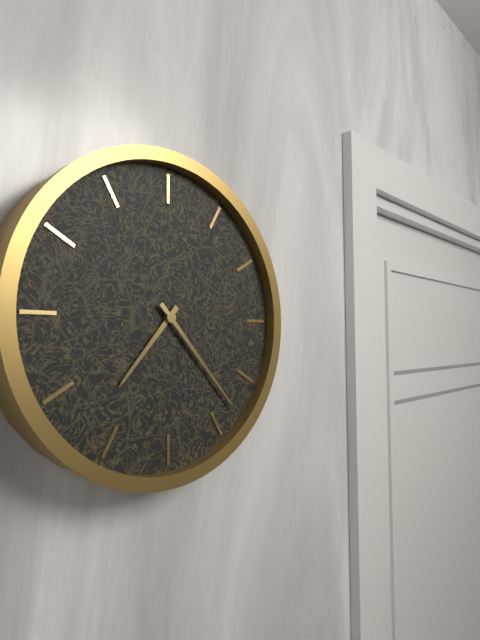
7:23
